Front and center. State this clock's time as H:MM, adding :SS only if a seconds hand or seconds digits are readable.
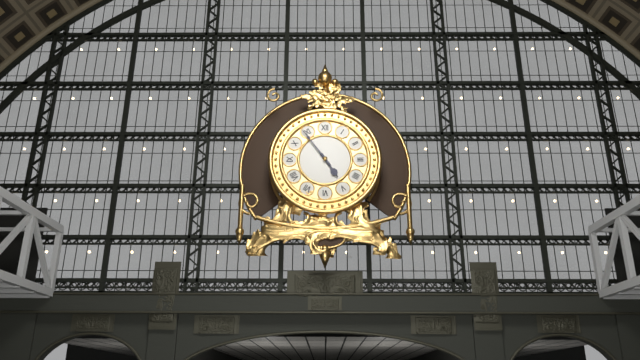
4:54
